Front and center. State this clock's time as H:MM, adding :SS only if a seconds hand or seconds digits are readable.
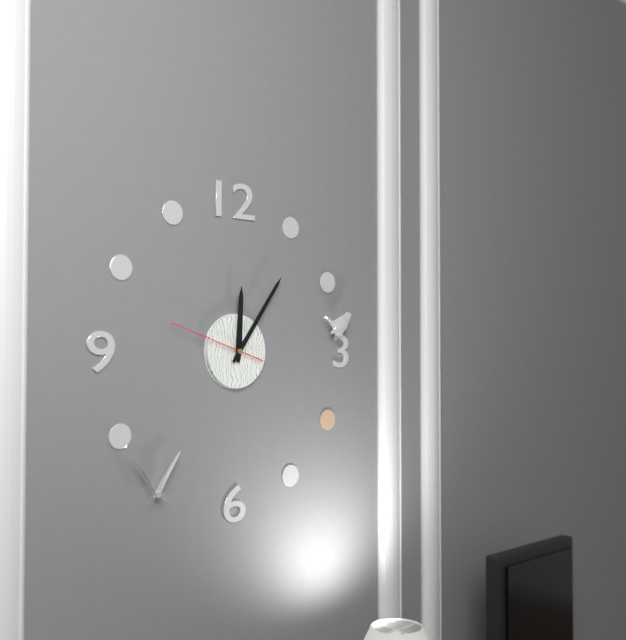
12:06:48
